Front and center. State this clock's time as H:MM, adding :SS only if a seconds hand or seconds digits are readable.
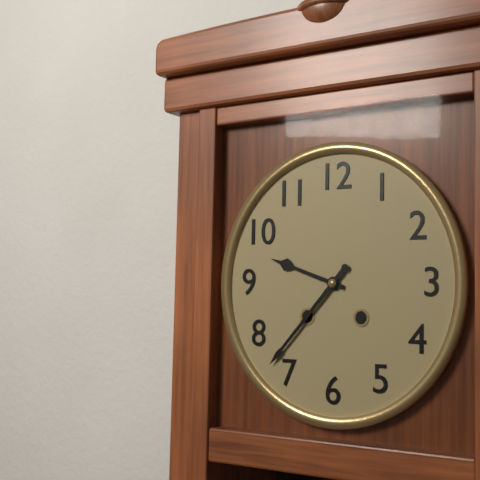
9:37
